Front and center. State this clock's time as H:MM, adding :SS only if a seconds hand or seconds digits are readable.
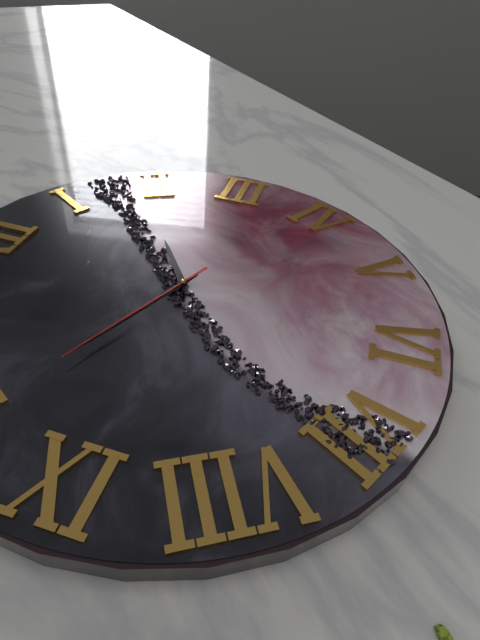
1:49:49
